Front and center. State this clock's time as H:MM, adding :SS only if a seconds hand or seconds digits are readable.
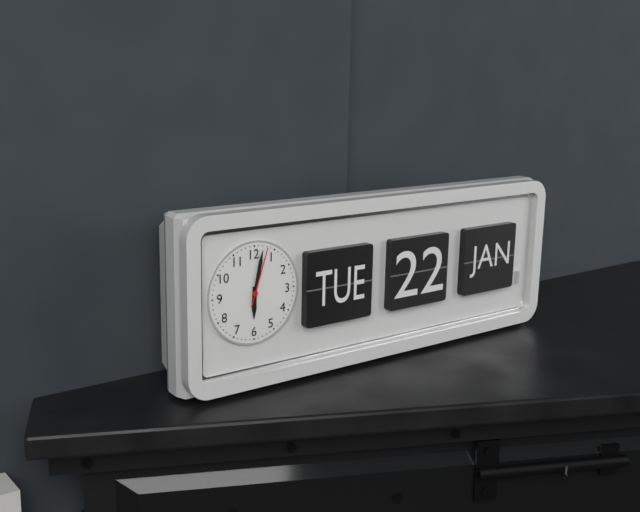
6:02:03
